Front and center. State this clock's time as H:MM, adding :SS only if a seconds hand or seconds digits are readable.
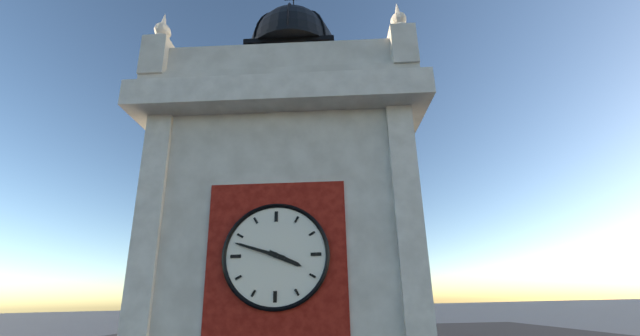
3:48
